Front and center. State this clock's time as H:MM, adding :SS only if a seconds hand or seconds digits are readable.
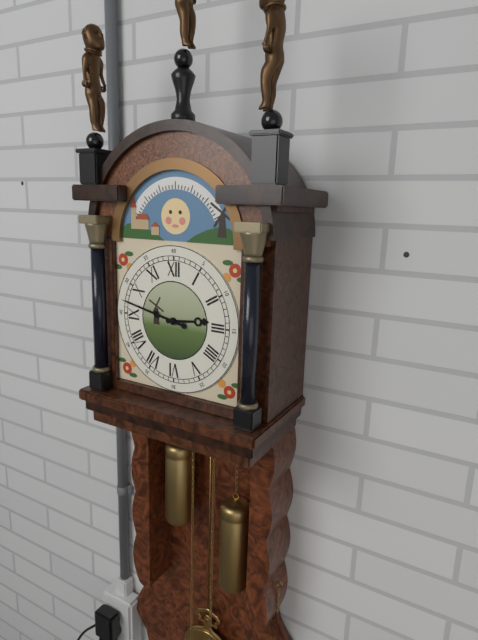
2:47
